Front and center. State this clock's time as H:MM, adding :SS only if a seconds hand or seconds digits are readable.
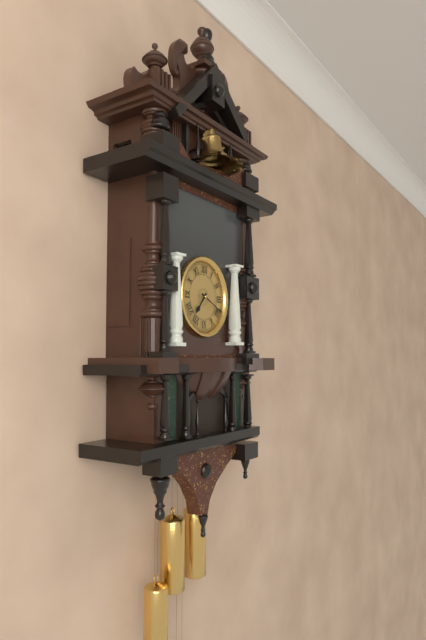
7:19
